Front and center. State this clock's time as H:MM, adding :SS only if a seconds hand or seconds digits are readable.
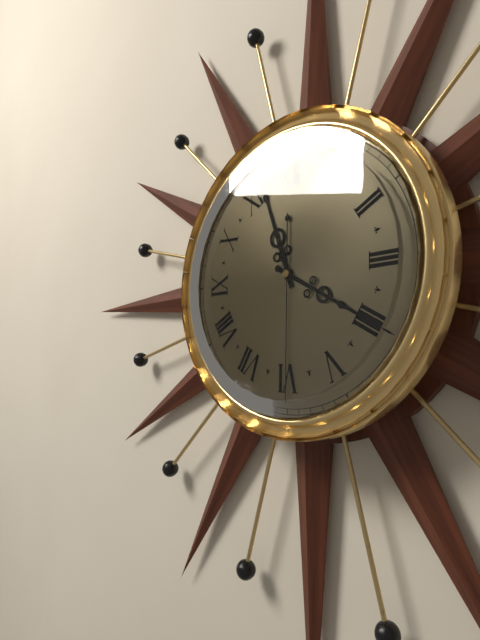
11:20:30
